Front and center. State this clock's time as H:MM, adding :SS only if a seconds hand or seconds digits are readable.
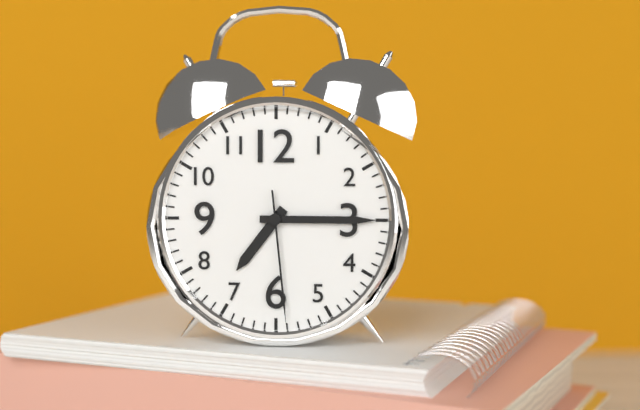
7:15:29
